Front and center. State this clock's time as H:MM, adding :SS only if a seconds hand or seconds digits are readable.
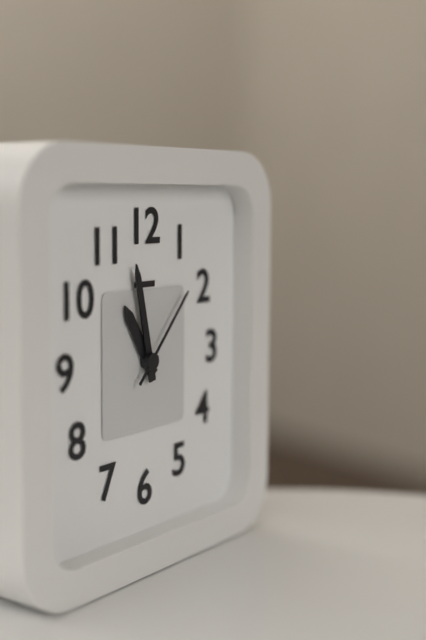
10:58:07
